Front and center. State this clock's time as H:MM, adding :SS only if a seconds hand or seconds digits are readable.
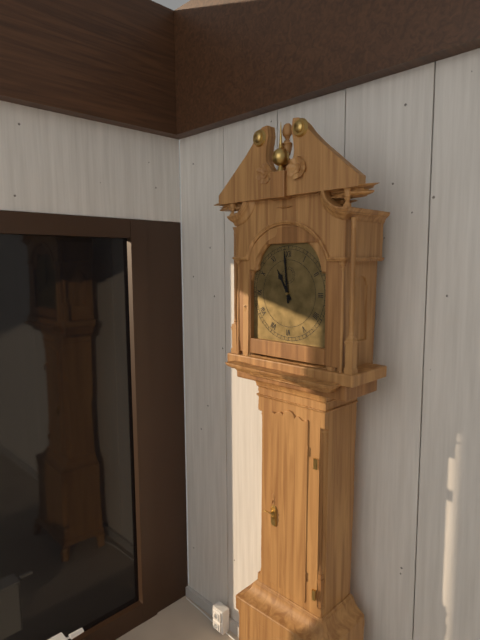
10:59
